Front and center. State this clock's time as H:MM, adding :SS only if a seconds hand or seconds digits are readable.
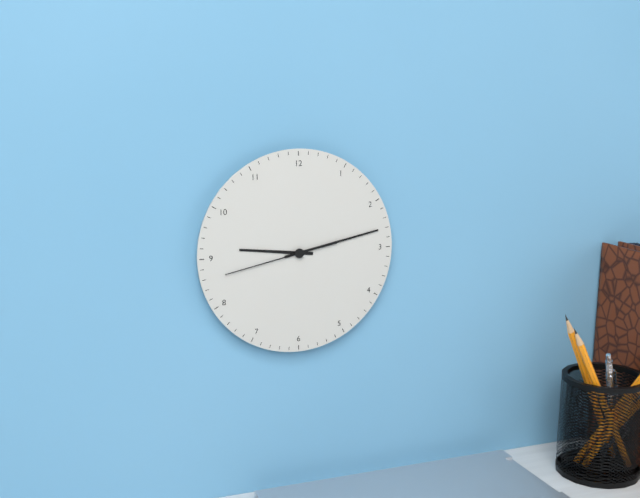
9:13:43
